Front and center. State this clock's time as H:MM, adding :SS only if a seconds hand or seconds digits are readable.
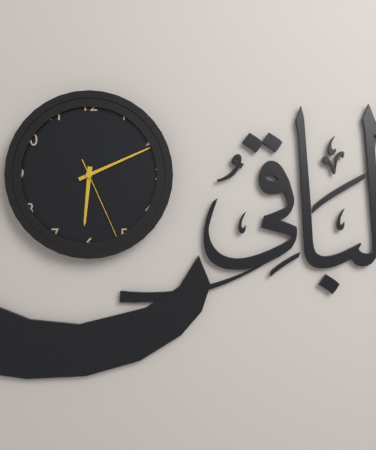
6:11:26
